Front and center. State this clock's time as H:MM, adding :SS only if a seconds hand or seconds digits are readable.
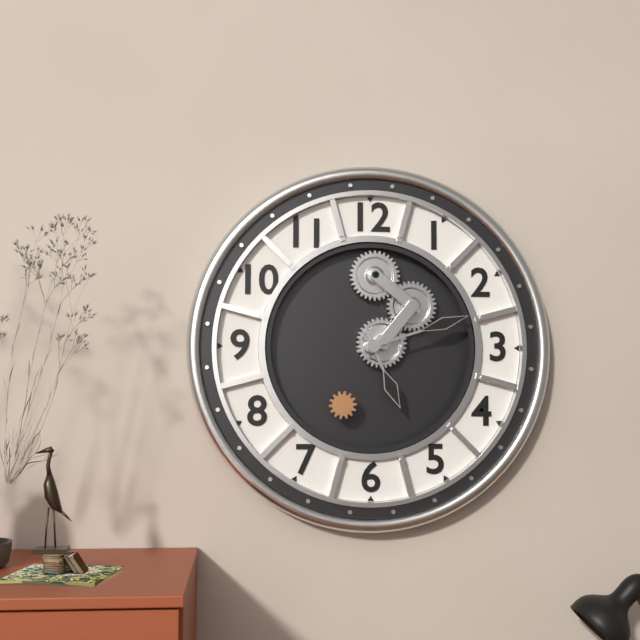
5:12
